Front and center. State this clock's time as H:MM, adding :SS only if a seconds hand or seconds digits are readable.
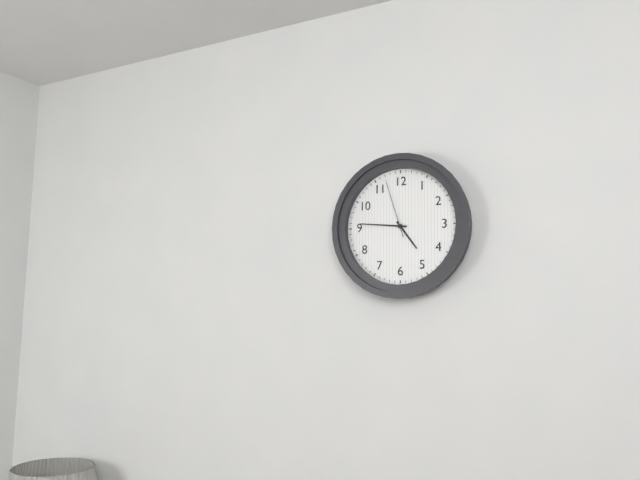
4:46:57
